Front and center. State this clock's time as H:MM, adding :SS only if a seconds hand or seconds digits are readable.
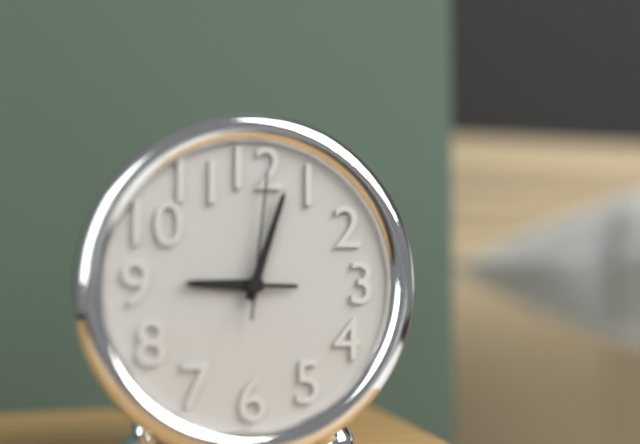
9:03:01
